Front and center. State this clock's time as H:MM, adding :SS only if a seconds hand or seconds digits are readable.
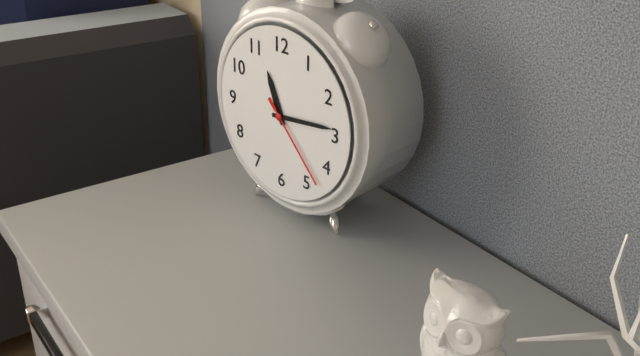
11:14:23
